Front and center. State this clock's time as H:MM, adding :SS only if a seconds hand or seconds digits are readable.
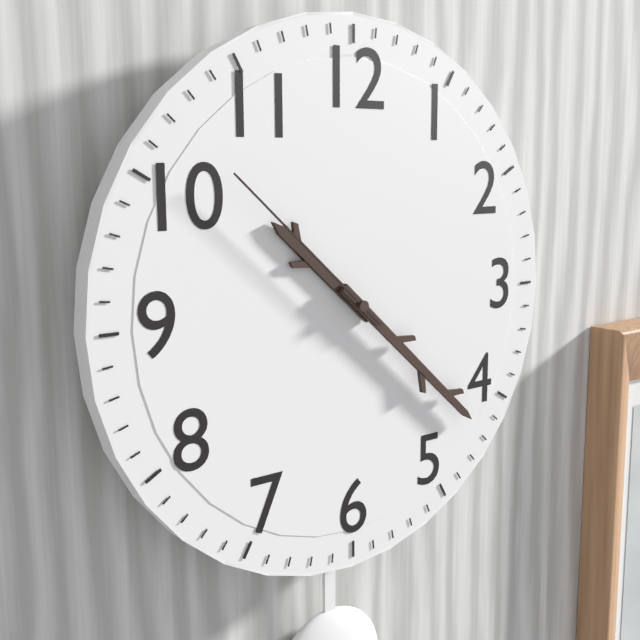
10:22:52
